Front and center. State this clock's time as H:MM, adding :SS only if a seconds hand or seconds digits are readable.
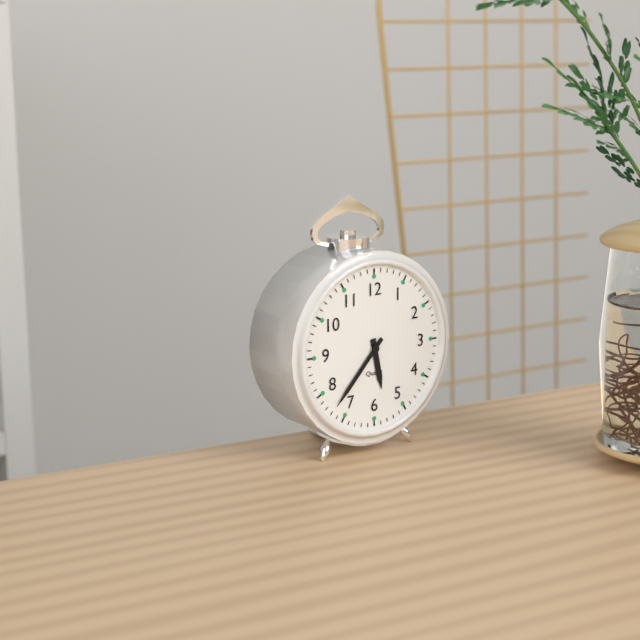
5:37
